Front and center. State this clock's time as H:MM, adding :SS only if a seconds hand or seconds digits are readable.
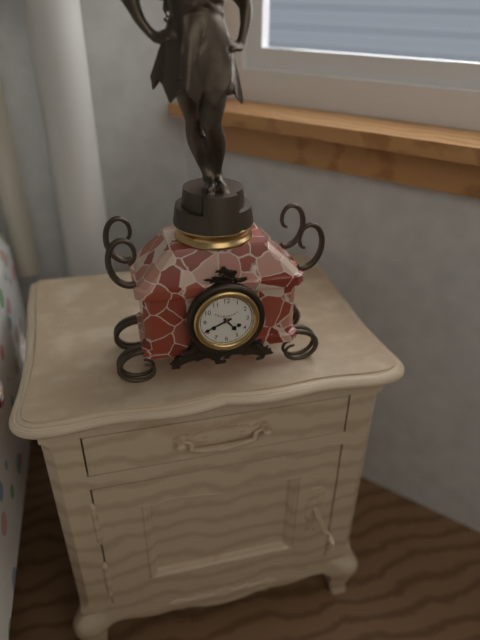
4:41
